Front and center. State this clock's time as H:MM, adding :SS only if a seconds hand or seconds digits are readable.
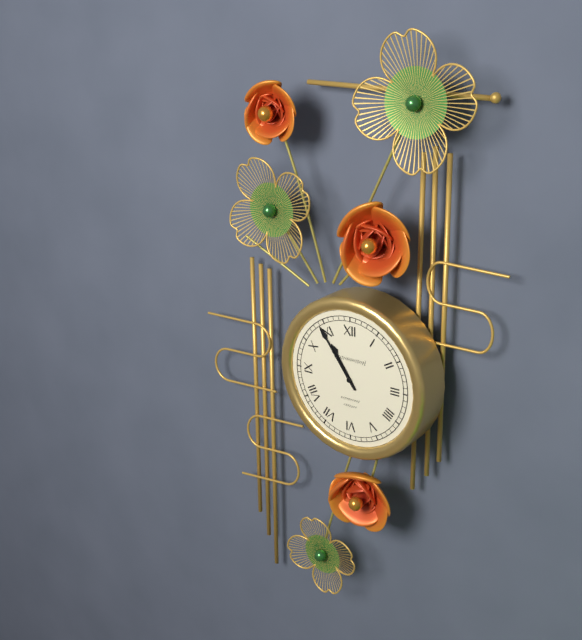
10:54
